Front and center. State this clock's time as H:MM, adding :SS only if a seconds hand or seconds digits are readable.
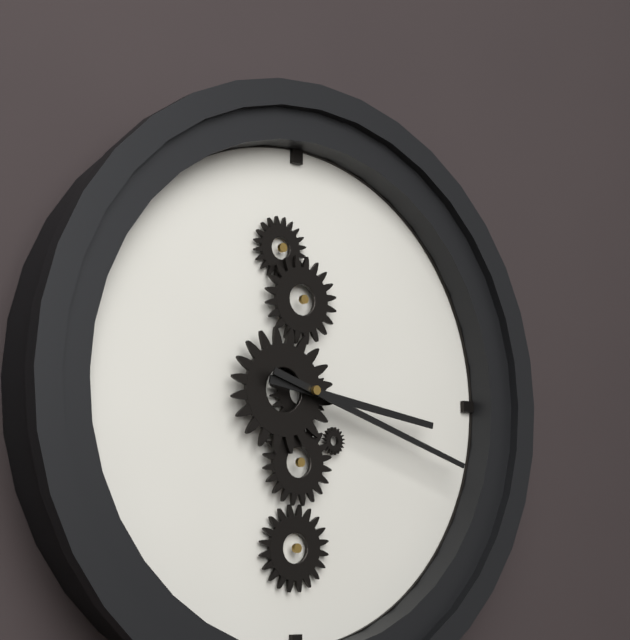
3:18
